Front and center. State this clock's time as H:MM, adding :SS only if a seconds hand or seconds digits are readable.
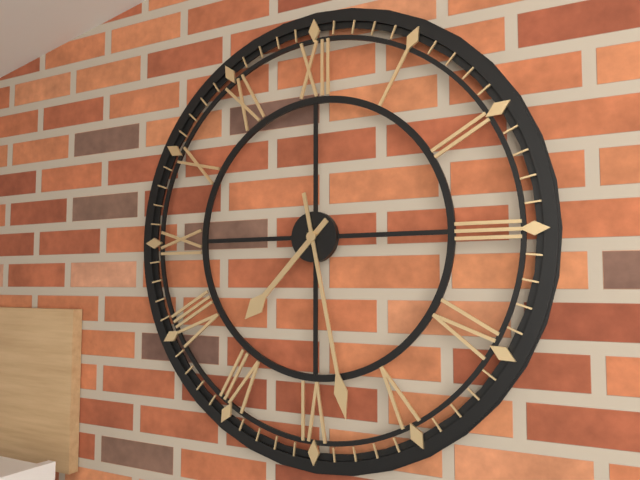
7:28
